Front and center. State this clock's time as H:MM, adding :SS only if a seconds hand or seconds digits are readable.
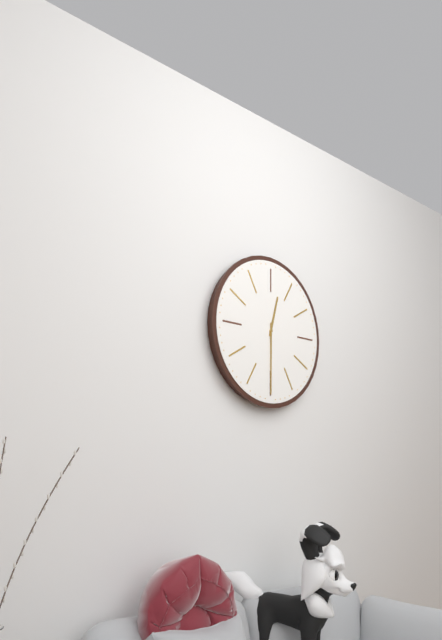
12:30
